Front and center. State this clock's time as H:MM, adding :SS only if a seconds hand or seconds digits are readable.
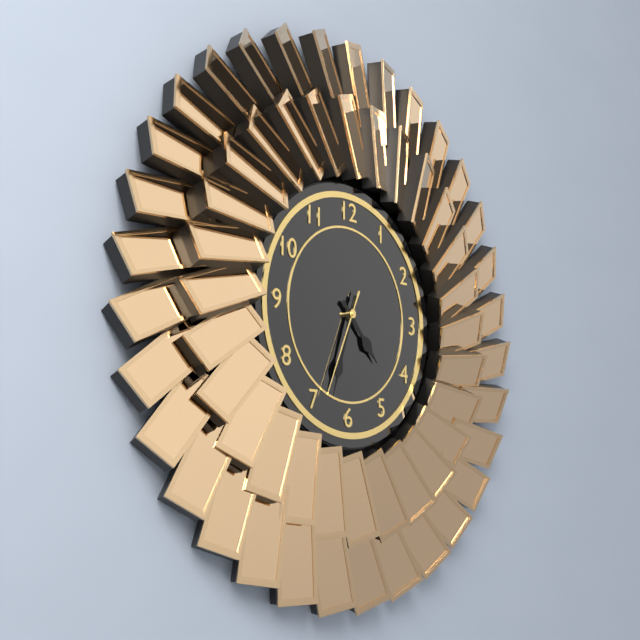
4:33:34
